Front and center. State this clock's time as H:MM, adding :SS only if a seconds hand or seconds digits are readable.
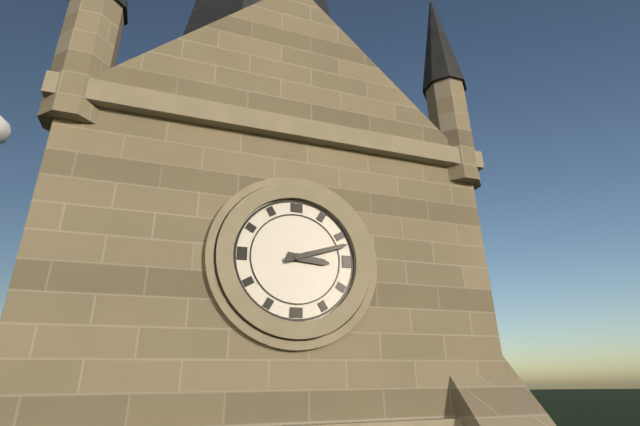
3:12
